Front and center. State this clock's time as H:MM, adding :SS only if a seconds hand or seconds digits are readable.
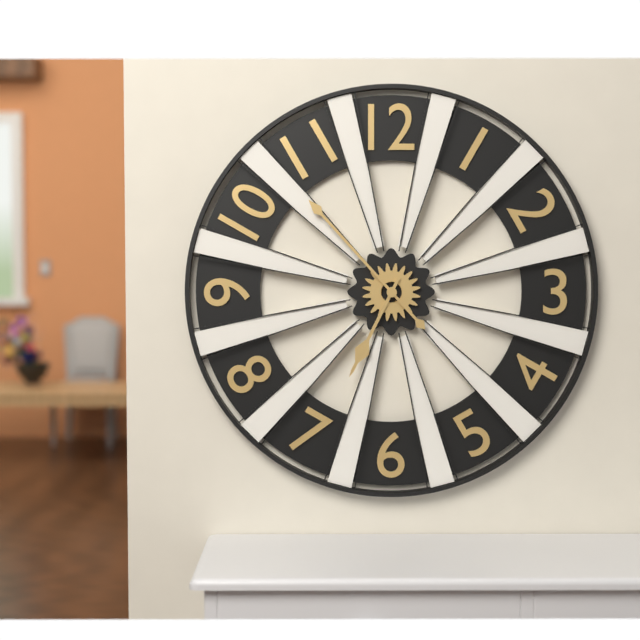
6:53
